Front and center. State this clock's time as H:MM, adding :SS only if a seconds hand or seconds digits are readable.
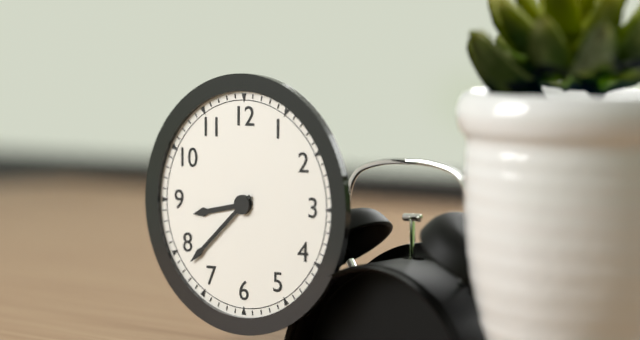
8:38
